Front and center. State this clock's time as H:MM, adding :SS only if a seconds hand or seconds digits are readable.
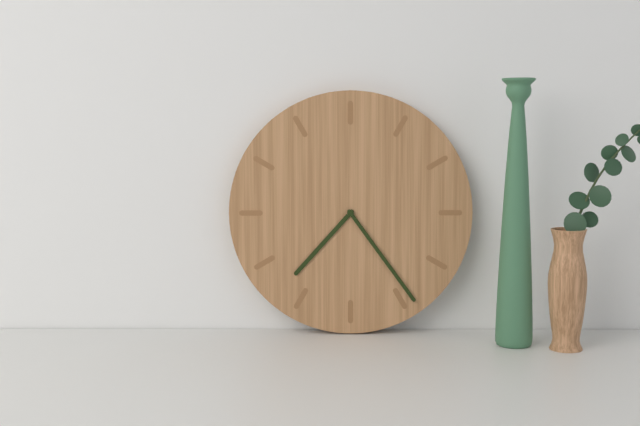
7:24
